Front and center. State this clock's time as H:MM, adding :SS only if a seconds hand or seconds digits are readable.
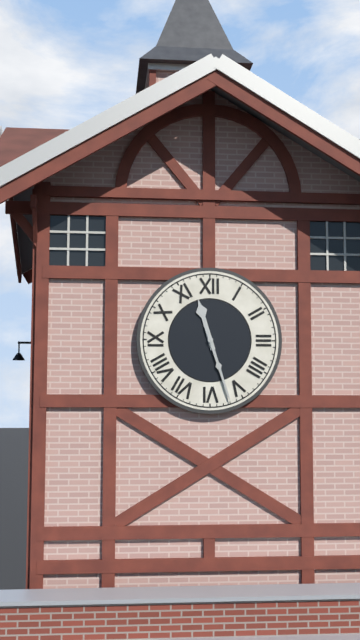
11:27
